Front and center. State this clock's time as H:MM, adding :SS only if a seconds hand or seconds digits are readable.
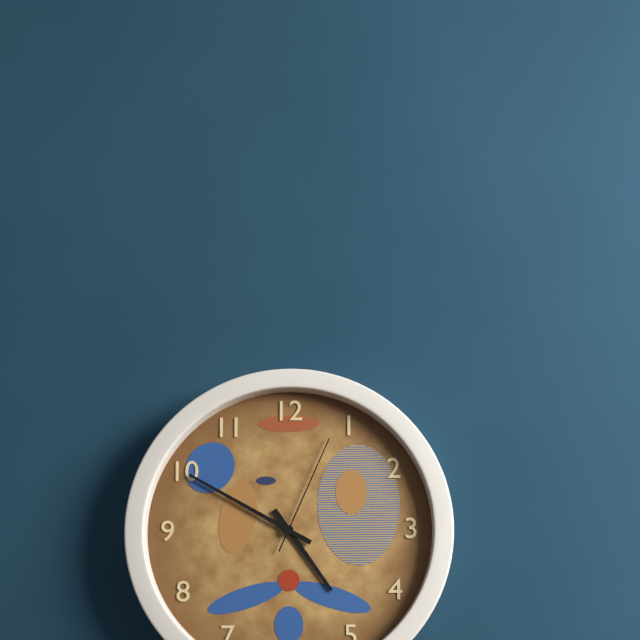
4:50:04
